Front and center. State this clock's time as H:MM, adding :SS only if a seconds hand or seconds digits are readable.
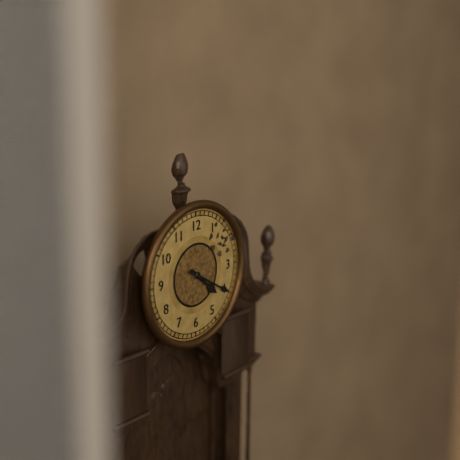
4:20
